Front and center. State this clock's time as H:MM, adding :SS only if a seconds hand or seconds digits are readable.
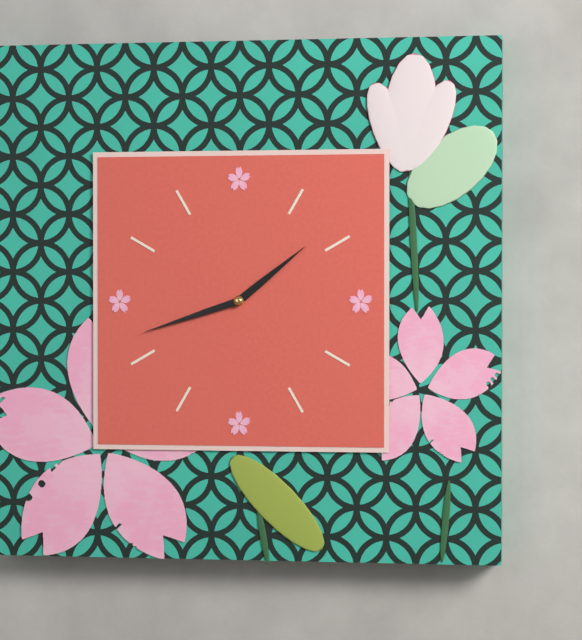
1:42
